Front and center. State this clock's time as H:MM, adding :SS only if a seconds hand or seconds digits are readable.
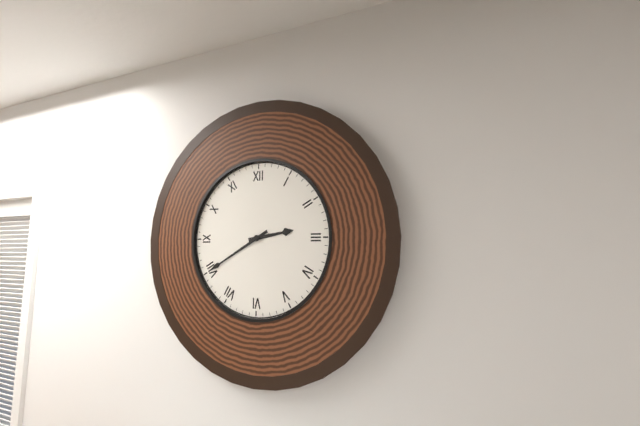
2:40
